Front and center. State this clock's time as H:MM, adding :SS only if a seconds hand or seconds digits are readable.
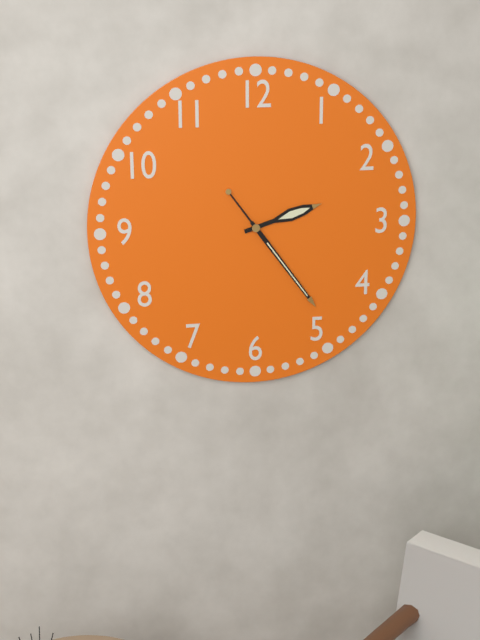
2:24
